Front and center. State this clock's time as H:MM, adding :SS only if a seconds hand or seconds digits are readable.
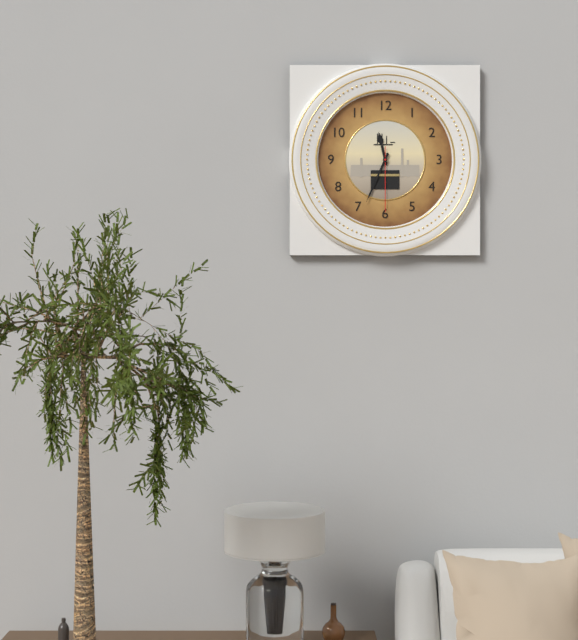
11:34:30
